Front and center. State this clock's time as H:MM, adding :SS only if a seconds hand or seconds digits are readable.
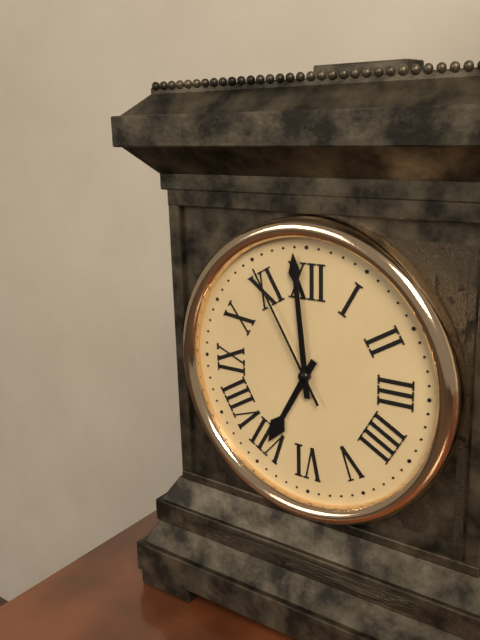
6:59:55
